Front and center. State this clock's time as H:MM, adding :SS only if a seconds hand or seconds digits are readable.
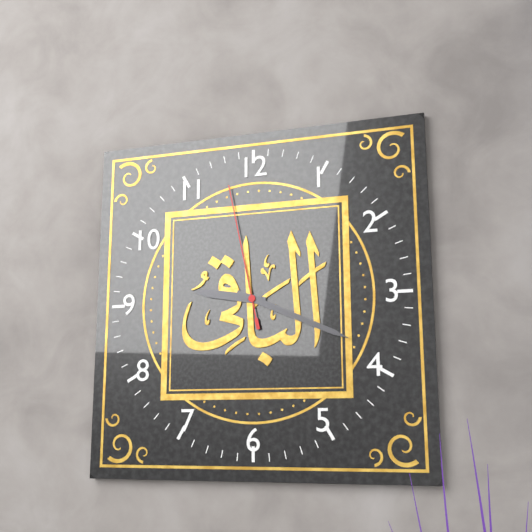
9:19:58
